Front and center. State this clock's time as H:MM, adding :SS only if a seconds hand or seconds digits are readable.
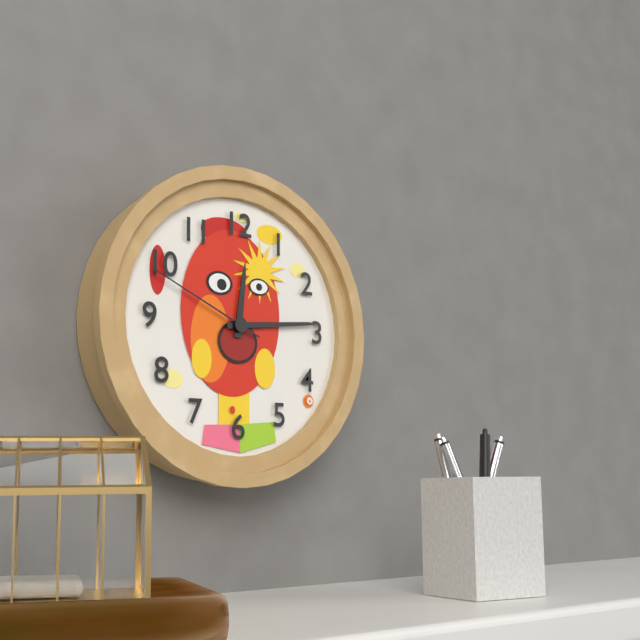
12:14:49
